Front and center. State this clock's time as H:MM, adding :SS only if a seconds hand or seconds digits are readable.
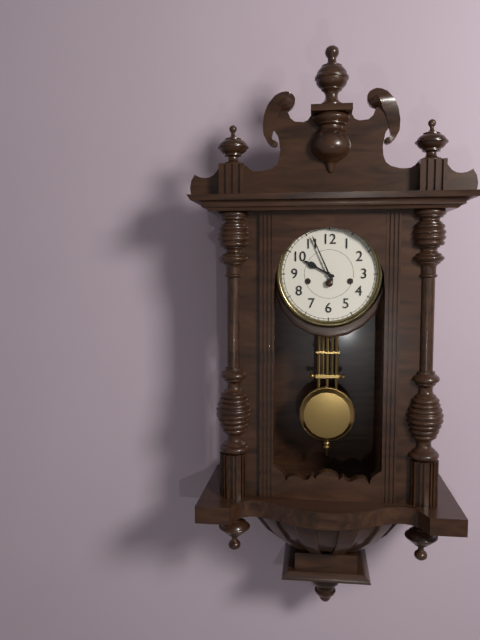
9:56
